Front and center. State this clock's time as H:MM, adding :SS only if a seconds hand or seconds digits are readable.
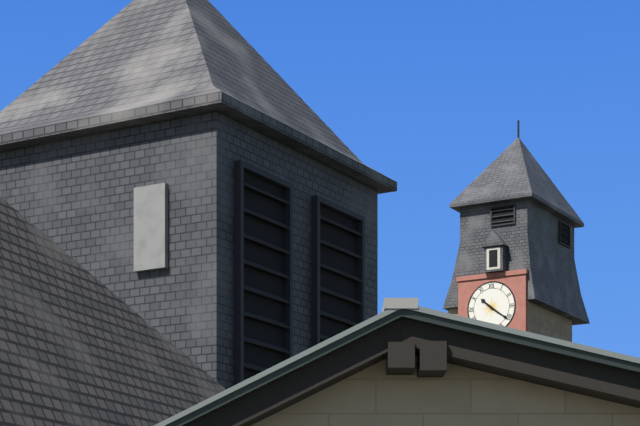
10:21
